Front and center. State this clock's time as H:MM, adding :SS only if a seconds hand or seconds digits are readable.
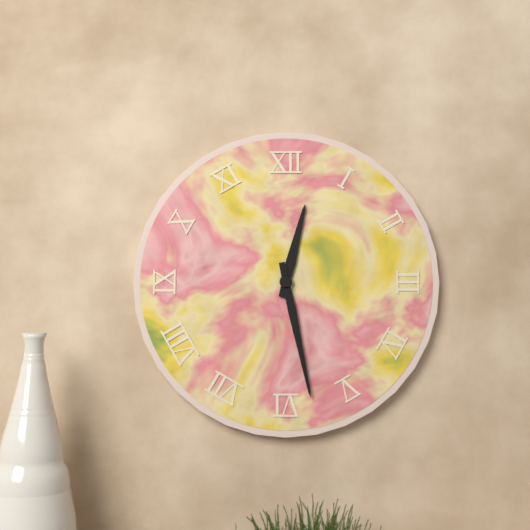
12:28
